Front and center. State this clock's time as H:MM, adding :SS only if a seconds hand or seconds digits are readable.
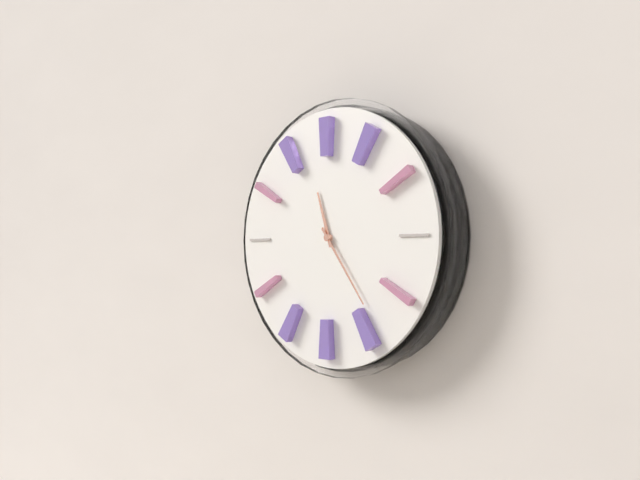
11:24
